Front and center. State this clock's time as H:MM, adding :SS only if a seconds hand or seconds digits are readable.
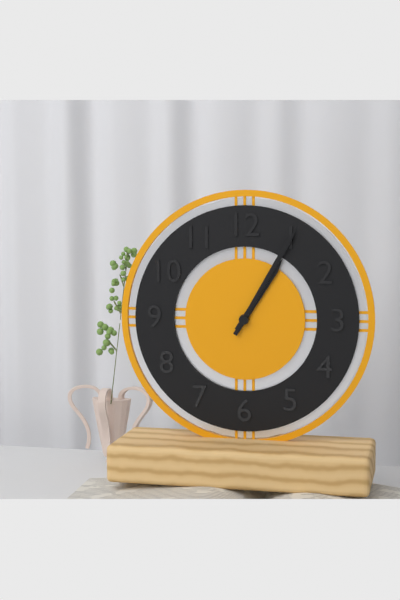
1:05
